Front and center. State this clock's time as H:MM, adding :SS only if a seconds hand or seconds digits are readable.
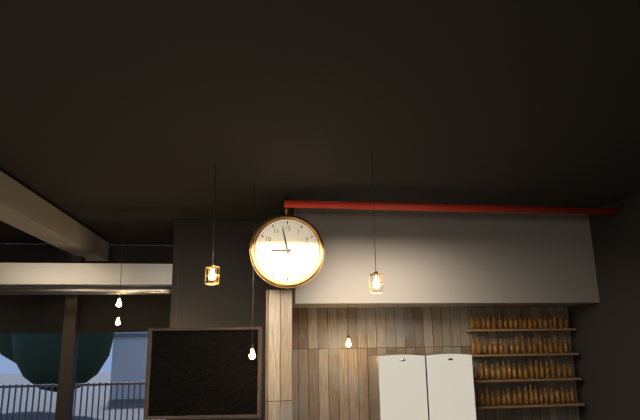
8:58
